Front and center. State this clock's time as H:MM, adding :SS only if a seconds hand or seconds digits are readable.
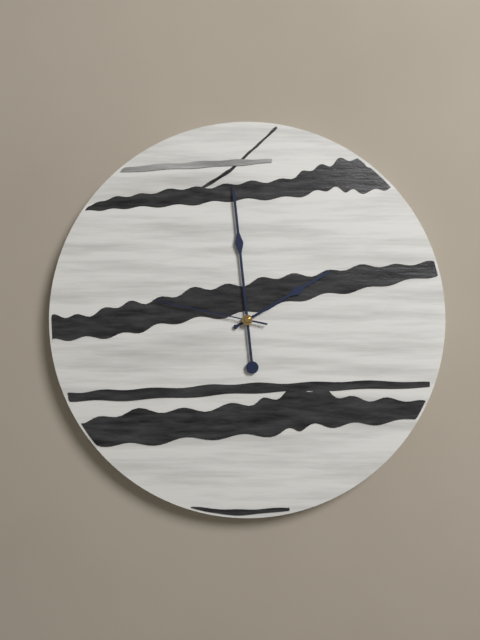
1:59:47
